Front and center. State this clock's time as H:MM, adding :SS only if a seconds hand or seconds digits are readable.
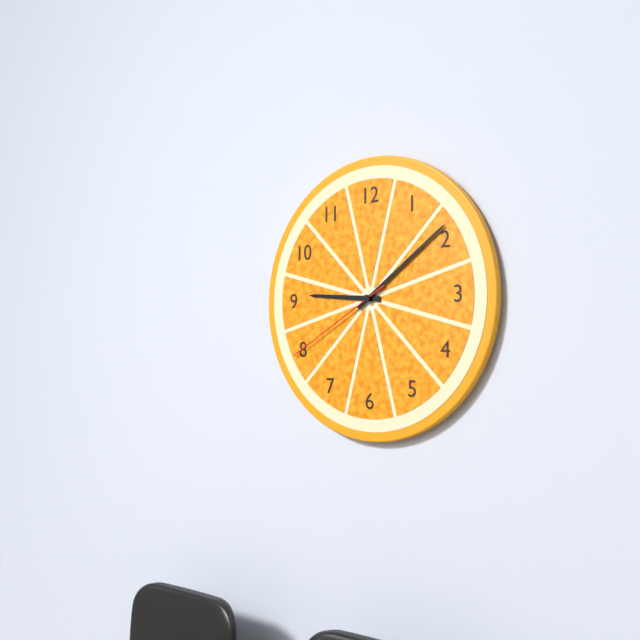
9:09:40
